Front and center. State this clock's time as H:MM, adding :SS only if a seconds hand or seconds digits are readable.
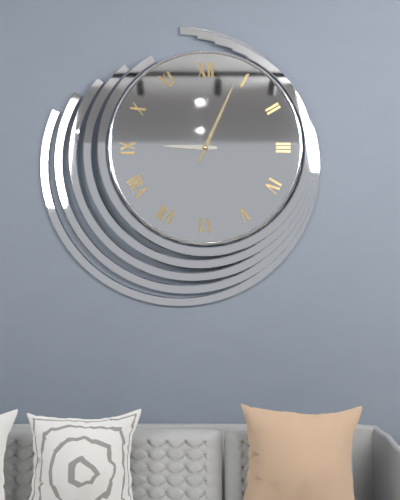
9:04
